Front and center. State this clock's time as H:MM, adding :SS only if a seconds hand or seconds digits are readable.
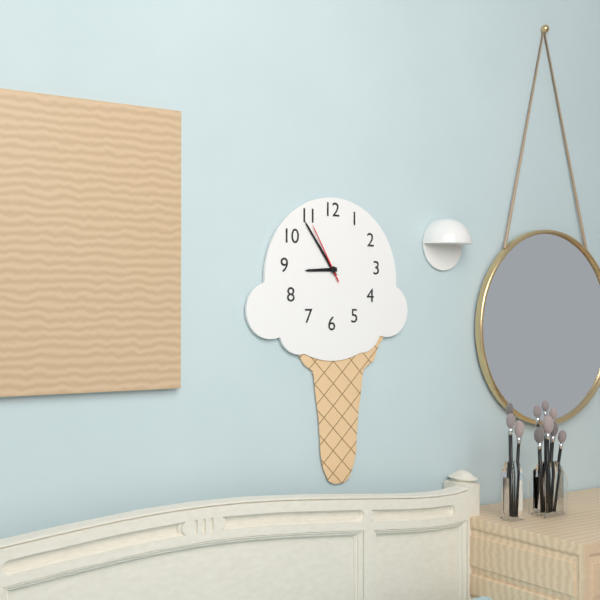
8:54:55
